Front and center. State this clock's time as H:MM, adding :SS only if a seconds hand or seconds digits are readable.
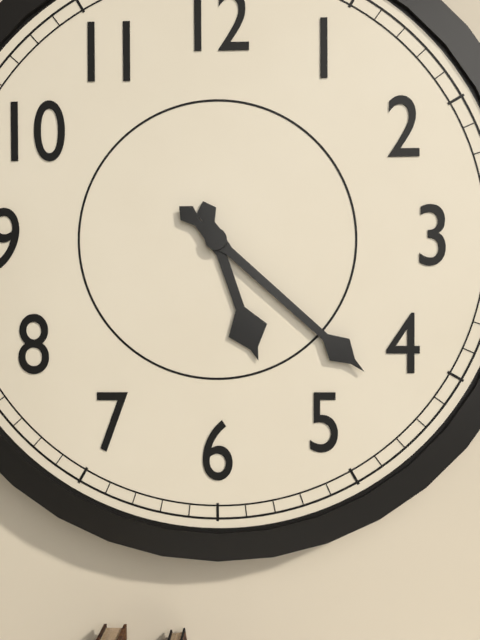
5:22
